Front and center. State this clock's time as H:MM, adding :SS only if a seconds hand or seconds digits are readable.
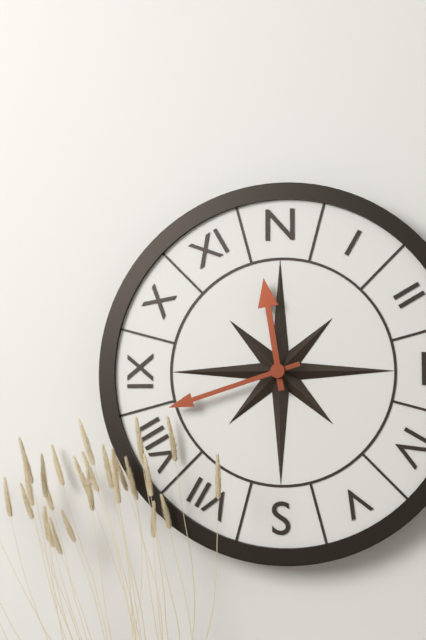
11:42
